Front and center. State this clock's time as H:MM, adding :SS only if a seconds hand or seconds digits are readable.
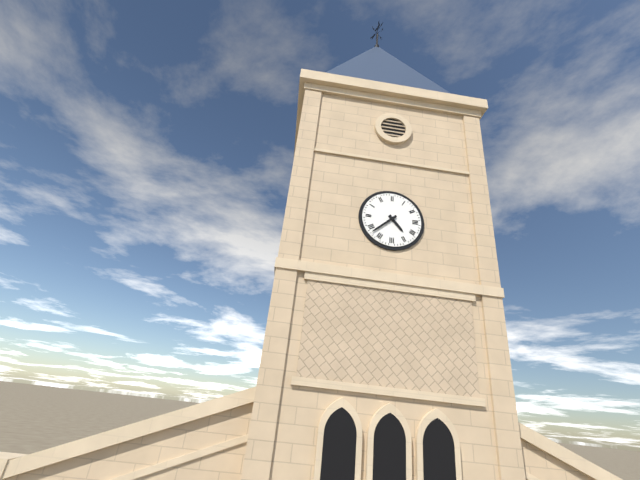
4:38
